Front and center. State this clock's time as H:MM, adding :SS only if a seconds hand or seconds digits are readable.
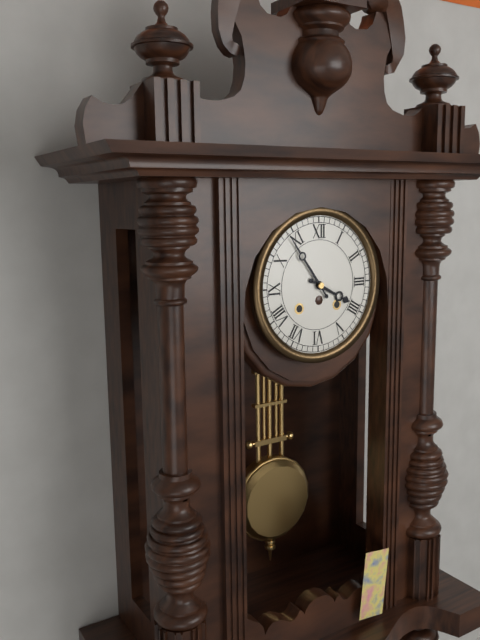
3:54
